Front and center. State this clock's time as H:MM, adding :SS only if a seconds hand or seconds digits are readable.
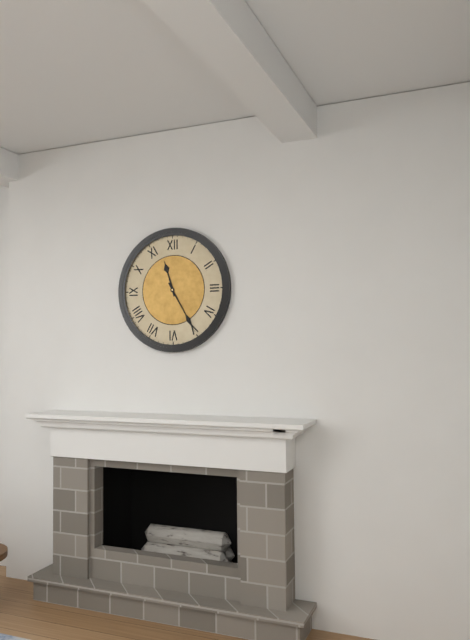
11:25
